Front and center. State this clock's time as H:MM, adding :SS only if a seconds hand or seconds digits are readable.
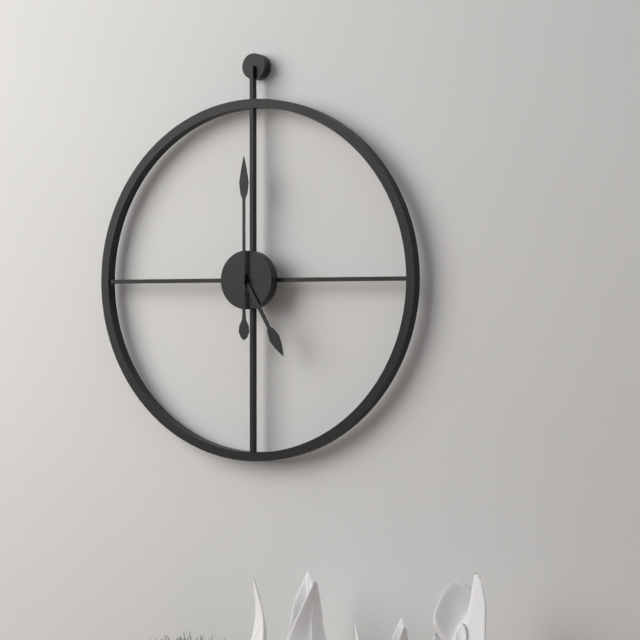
5:00
